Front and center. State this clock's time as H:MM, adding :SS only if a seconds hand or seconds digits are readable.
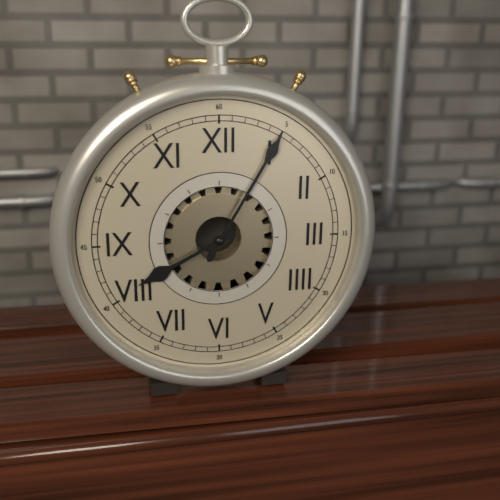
8:05
